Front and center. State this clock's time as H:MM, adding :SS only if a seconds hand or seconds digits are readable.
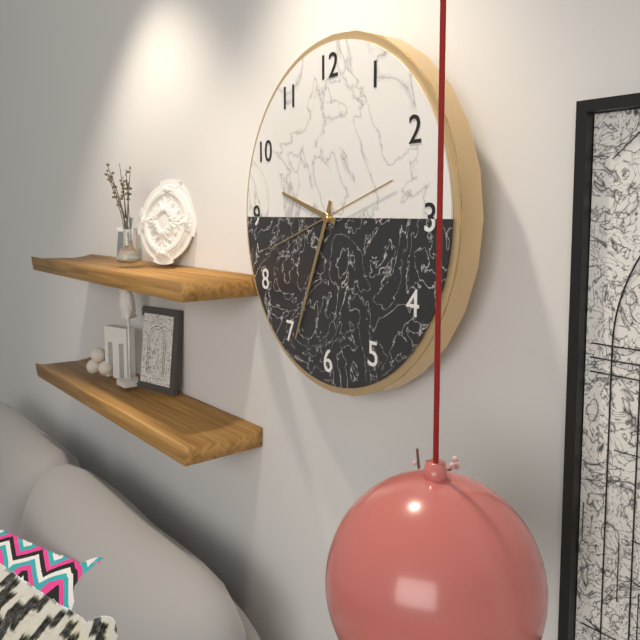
9:34:42
